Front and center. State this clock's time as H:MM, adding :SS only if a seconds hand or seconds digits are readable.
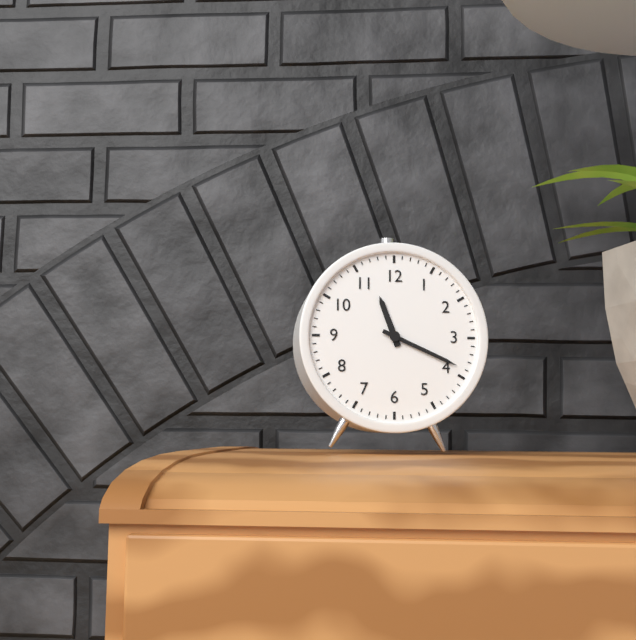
11:19
